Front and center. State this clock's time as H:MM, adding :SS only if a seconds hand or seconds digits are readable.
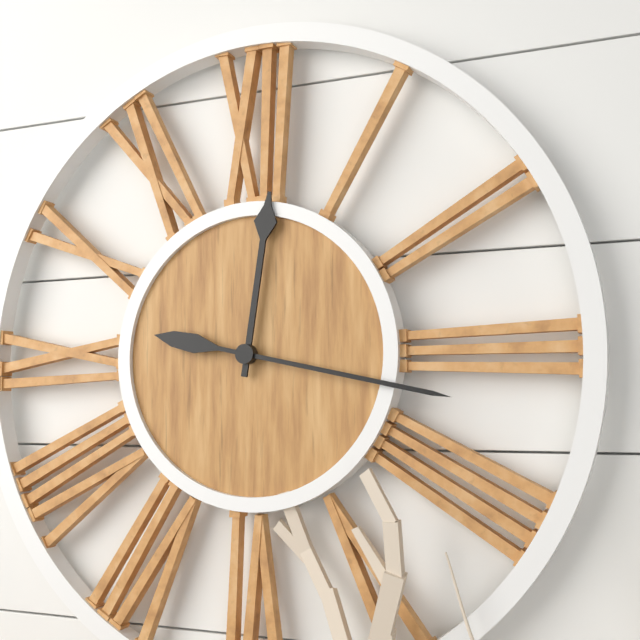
12:17
